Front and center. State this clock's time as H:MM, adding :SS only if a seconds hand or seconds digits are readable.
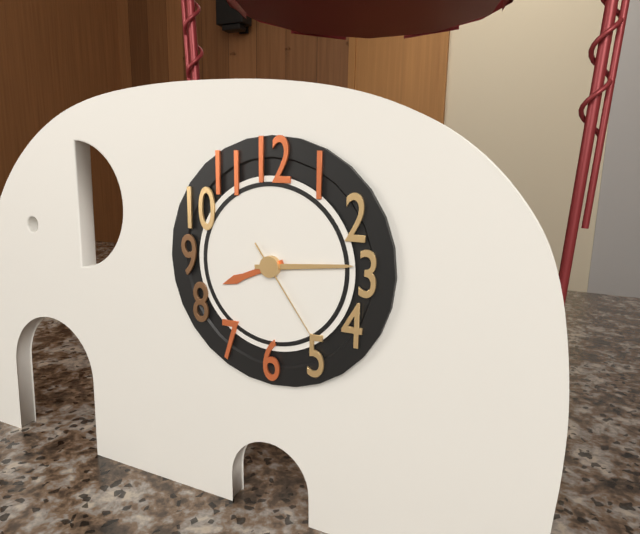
8:14:24
